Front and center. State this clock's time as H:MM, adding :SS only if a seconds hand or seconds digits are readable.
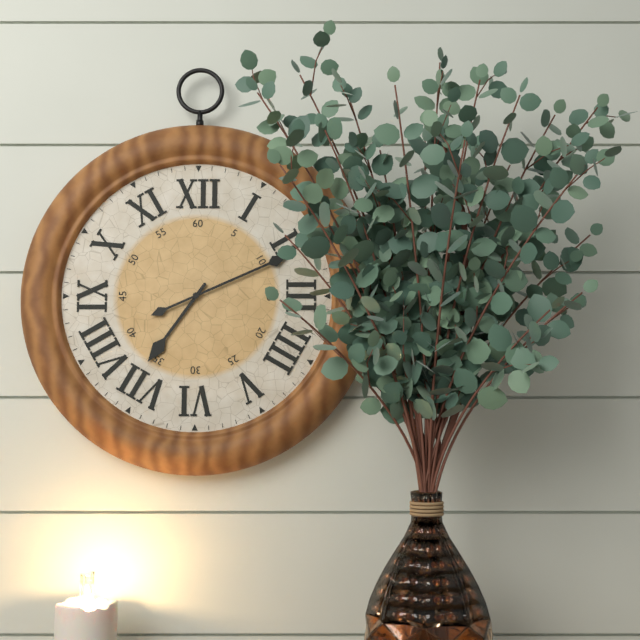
7:11
